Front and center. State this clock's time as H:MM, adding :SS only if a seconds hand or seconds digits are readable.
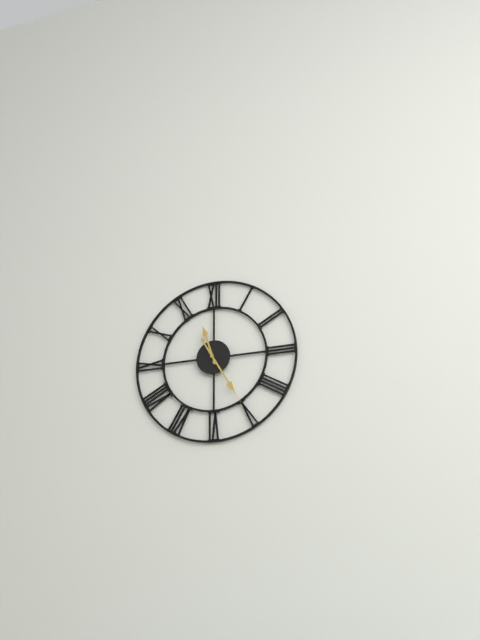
11:25
